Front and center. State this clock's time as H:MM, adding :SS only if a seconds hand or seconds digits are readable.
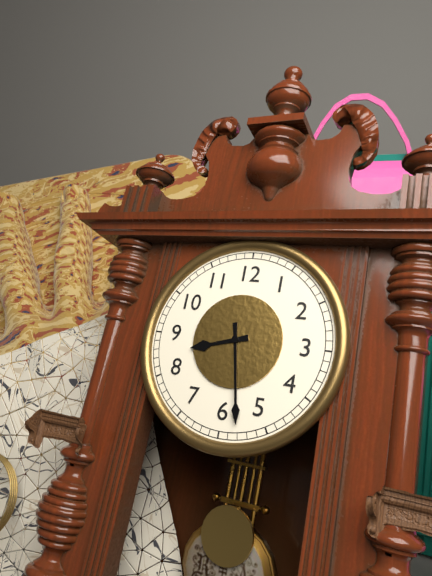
8:28
